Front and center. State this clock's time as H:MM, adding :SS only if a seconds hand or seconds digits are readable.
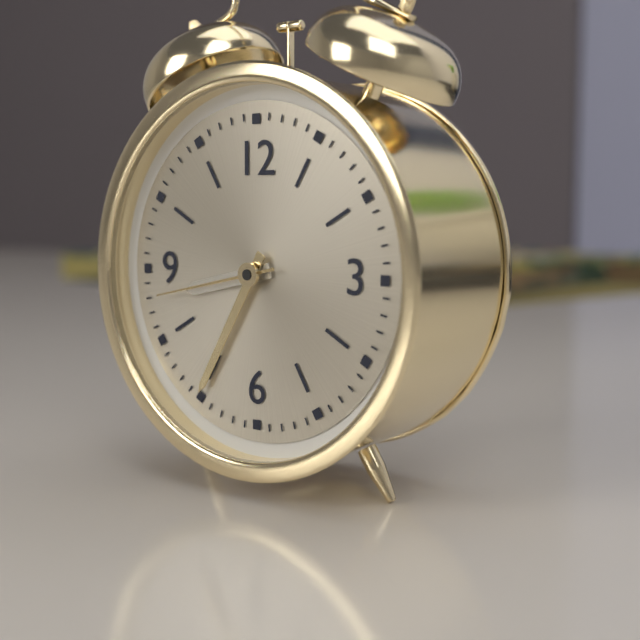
8:35:43
